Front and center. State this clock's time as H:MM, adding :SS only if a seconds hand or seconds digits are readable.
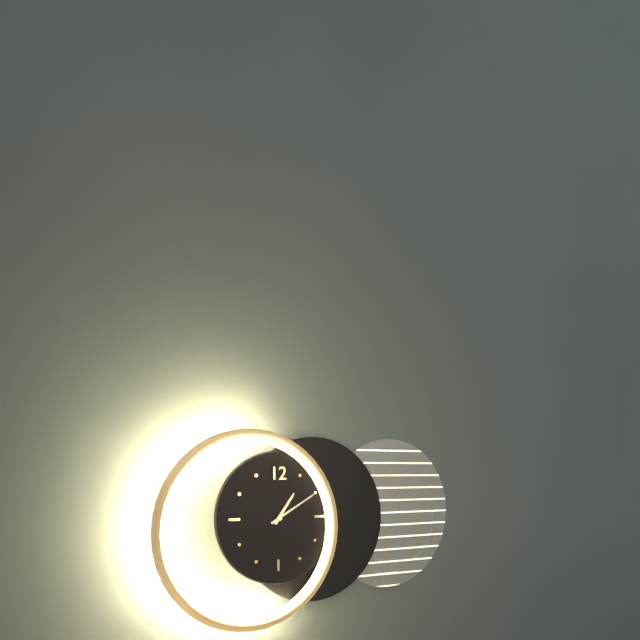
1:10
